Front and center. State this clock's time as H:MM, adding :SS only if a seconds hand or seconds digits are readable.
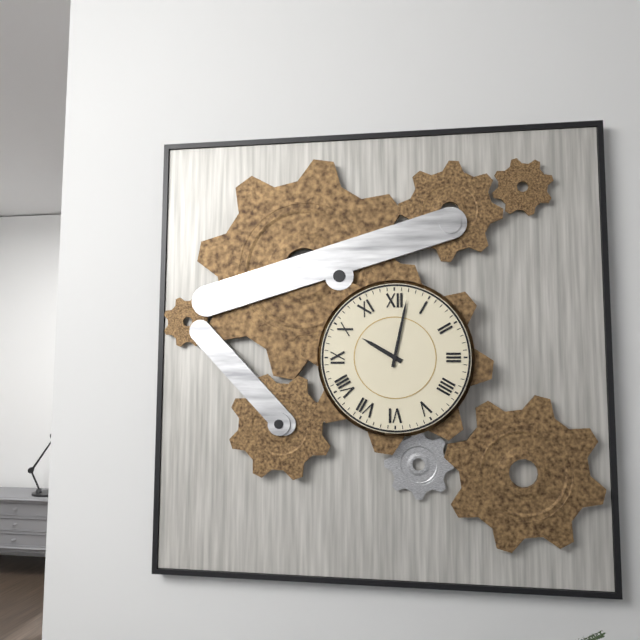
10:02
